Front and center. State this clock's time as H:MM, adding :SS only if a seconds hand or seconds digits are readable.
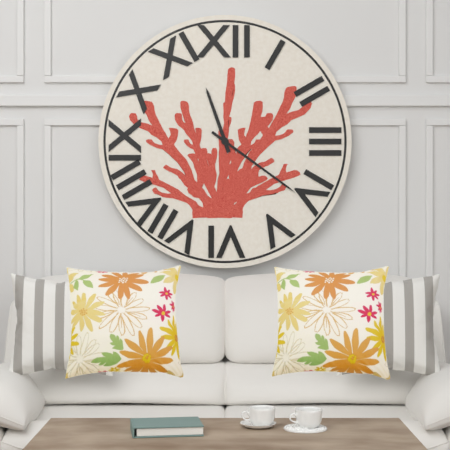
11:21
